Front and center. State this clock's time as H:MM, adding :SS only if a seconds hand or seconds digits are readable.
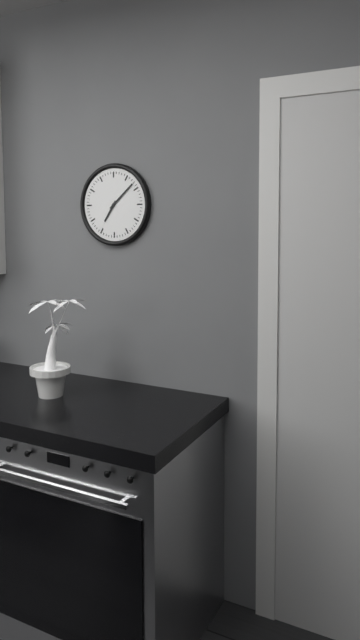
7:08
